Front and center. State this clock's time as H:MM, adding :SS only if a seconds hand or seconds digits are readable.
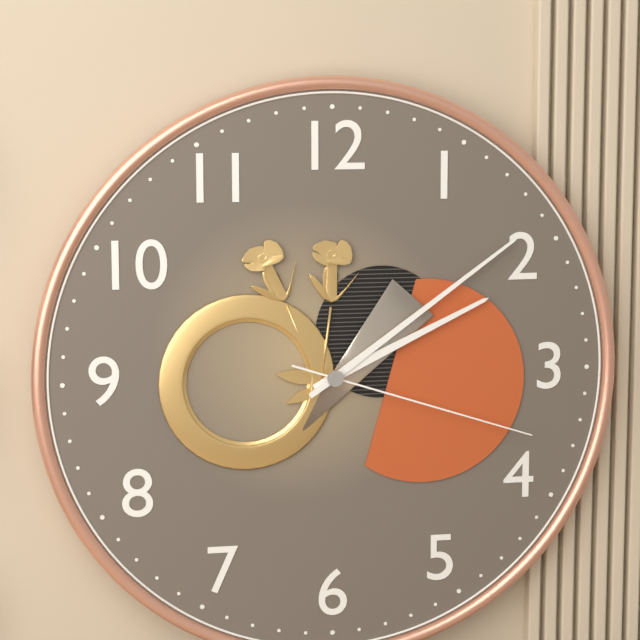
2:09:18
